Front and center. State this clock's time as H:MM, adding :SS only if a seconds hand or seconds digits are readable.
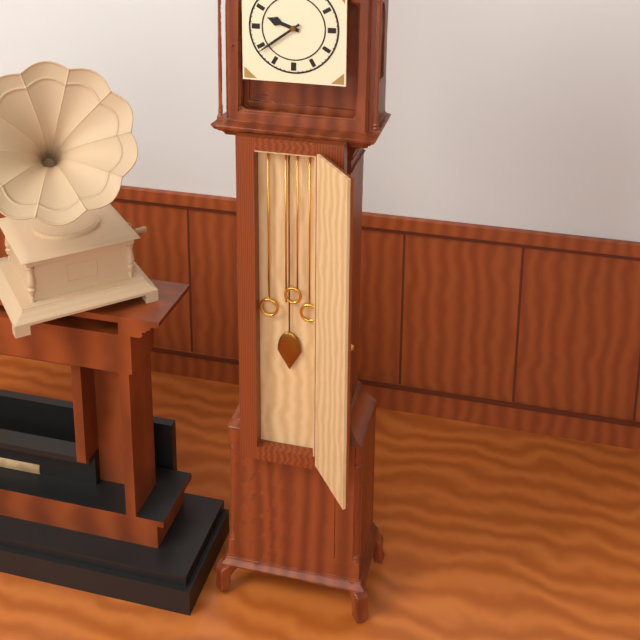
9:39
